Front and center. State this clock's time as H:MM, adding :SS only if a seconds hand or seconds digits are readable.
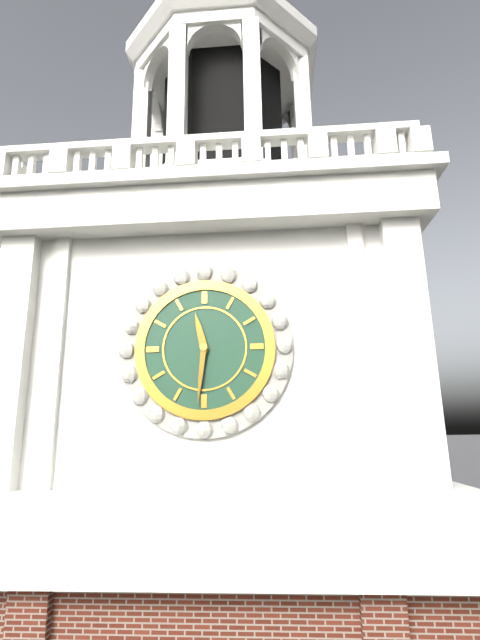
11:31
